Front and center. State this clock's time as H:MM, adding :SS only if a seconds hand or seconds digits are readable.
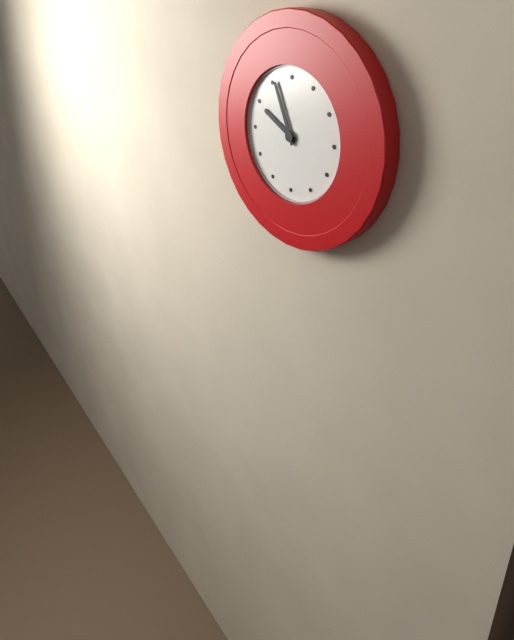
9:56
